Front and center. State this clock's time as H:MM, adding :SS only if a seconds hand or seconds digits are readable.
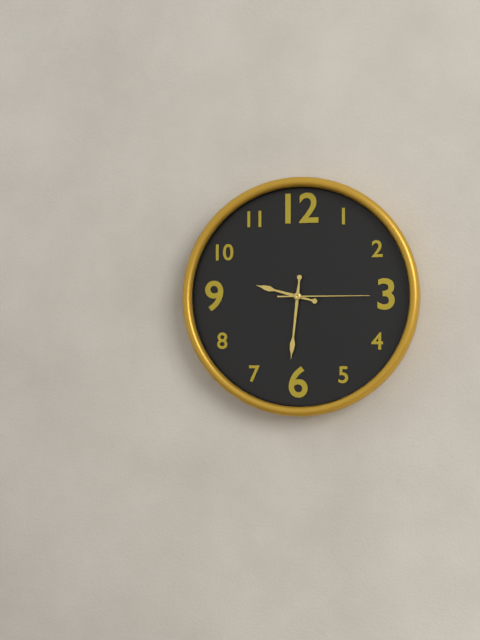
9:31:15
